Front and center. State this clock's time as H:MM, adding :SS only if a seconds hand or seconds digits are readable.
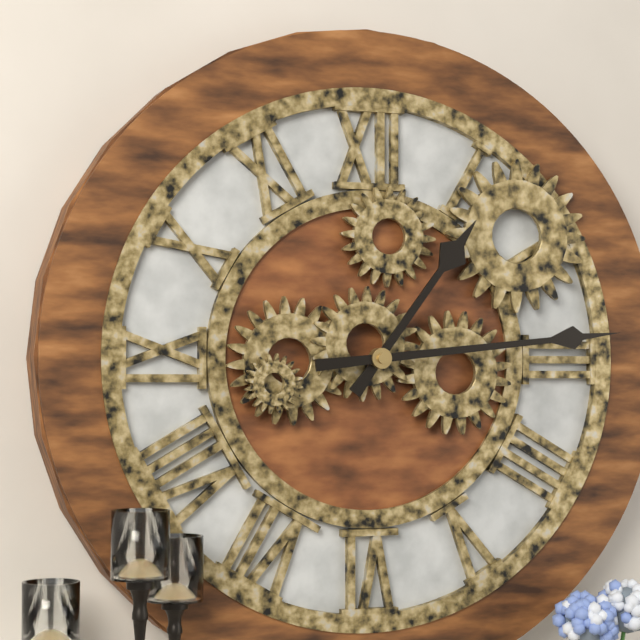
1:14
